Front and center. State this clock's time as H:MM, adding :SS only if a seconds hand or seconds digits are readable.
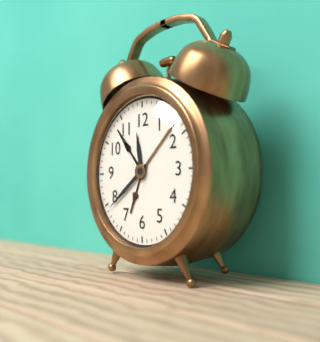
11:39
